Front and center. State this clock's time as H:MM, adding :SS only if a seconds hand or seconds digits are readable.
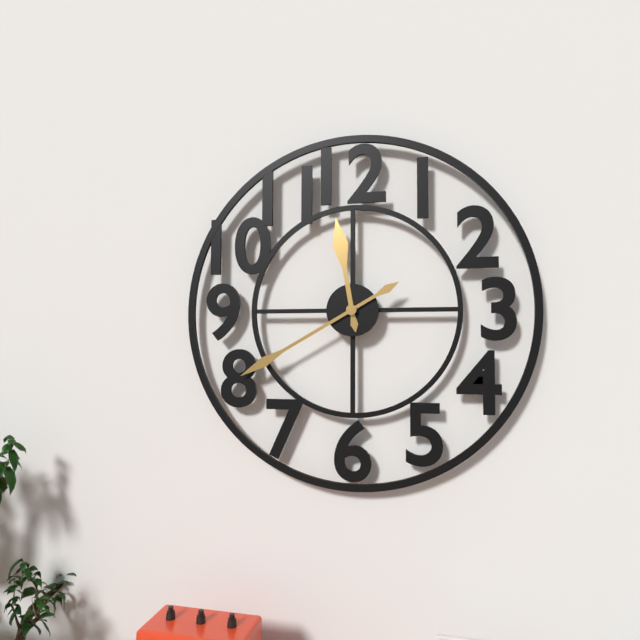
11:40
